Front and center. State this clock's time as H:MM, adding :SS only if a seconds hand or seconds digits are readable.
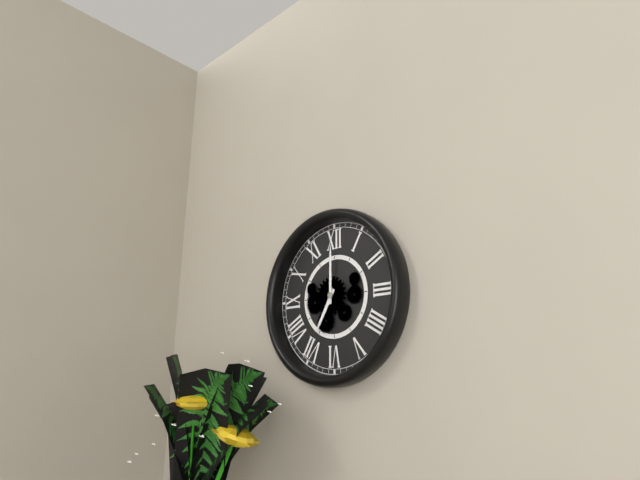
7:00
